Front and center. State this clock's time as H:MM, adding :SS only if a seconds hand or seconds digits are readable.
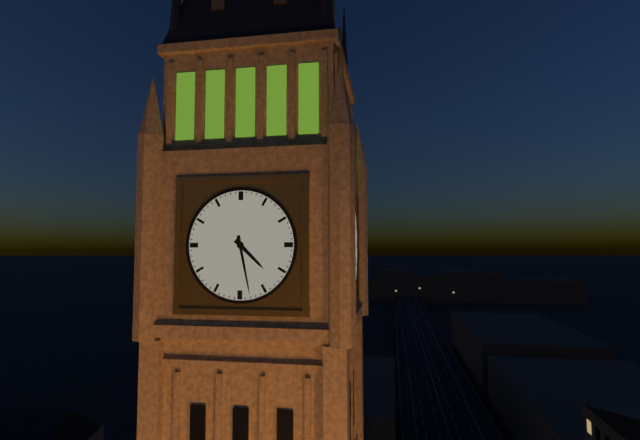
4:28
